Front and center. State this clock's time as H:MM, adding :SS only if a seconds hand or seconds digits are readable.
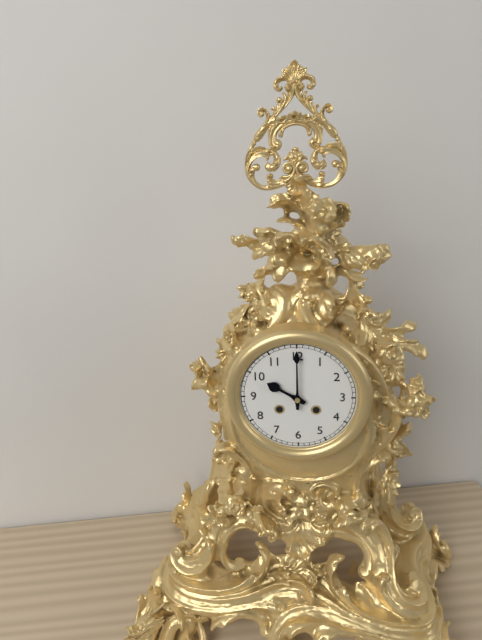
10:00
